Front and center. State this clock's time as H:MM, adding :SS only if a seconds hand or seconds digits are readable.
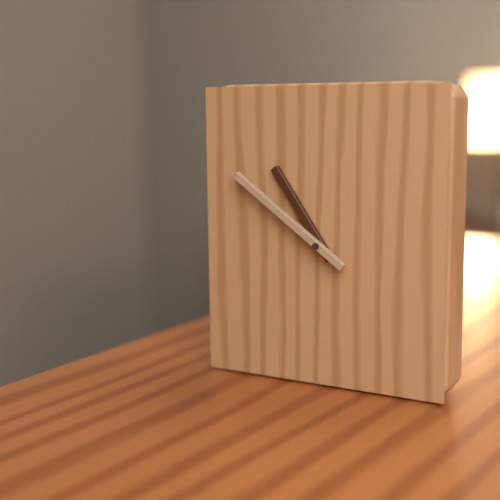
10:51
